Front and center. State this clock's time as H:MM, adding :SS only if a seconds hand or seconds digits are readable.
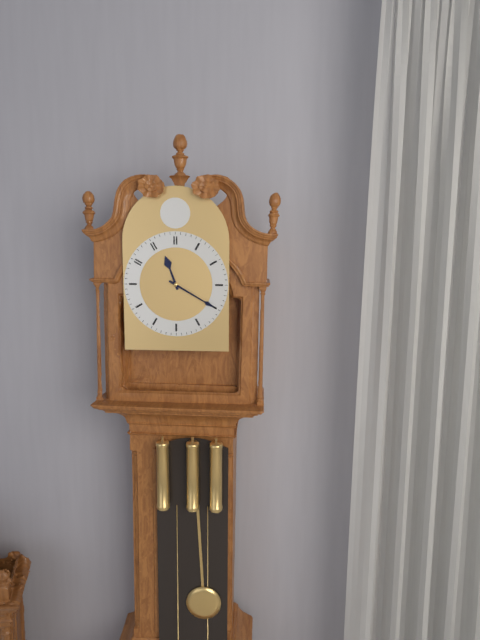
11:20
